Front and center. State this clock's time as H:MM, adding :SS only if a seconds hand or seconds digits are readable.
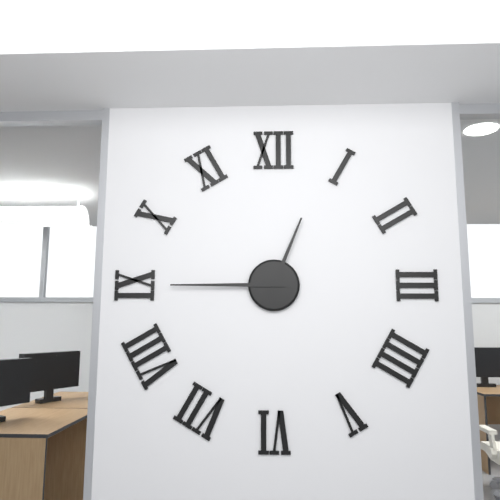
12:45
